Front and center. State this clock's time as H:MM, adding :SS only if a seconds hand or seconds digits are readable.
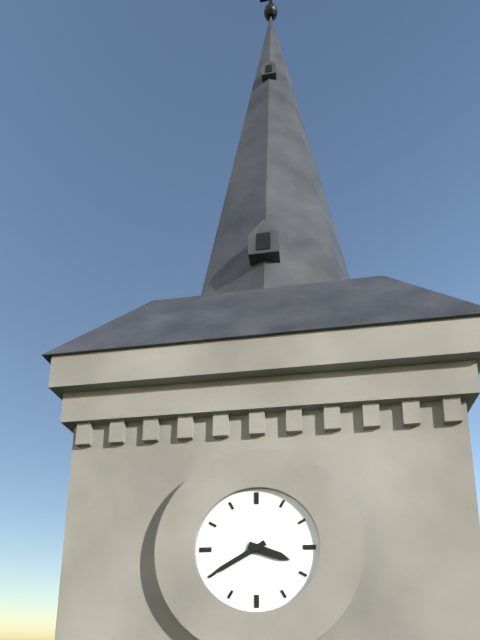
3:40
